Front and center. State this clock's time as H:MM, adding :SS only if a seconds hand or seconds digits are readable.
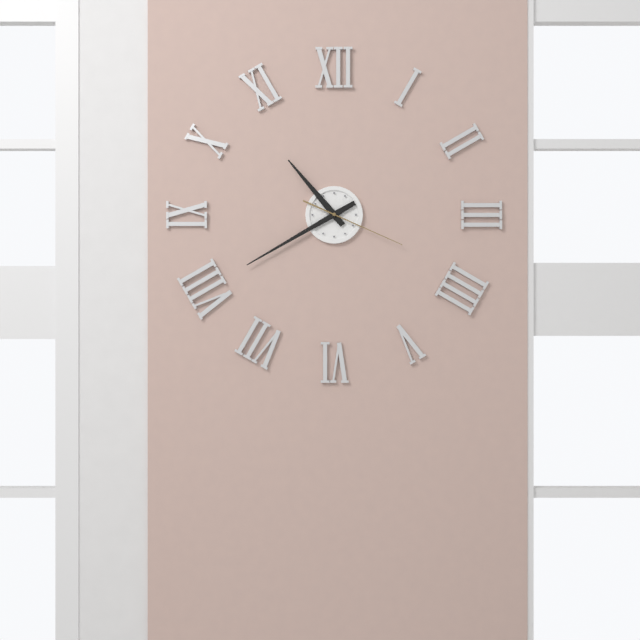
10:40:19
